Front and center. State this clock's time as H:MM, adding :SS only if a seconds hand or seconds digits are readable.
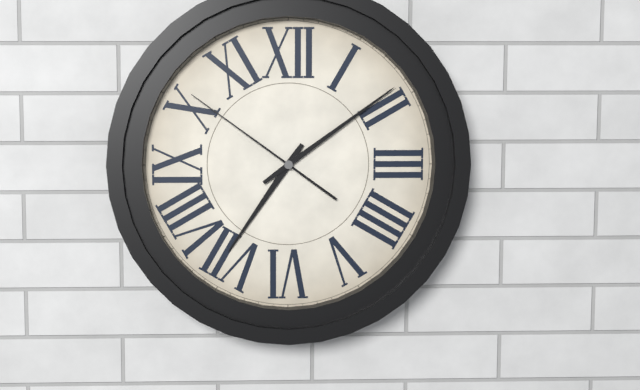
7:09:51
